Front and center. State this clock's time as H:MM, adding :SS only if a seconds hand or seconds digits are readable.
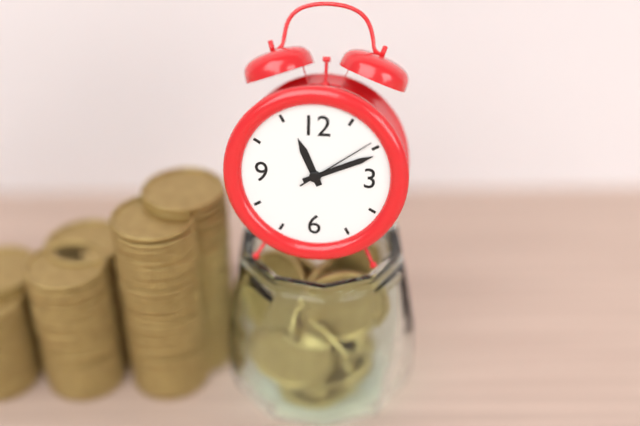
11:11:09
